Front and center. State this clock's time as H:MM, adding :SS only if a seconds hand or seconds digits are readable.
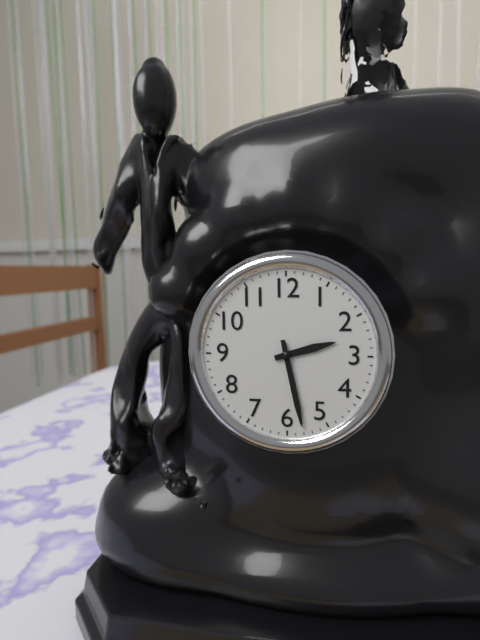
2:28
